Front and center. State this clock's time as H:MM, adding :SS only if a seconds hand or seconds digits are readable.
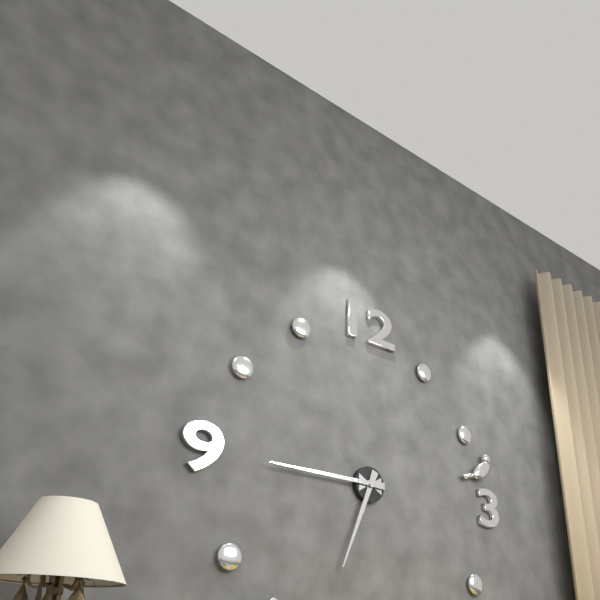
6:45
